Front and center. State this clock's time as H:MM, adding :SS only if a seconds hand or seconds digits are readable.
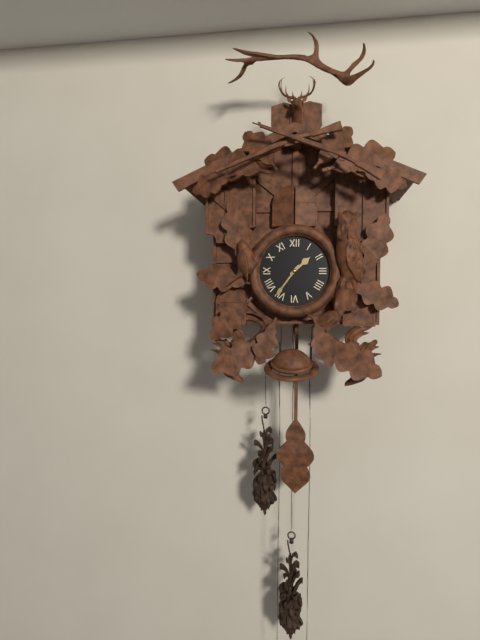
1:36
